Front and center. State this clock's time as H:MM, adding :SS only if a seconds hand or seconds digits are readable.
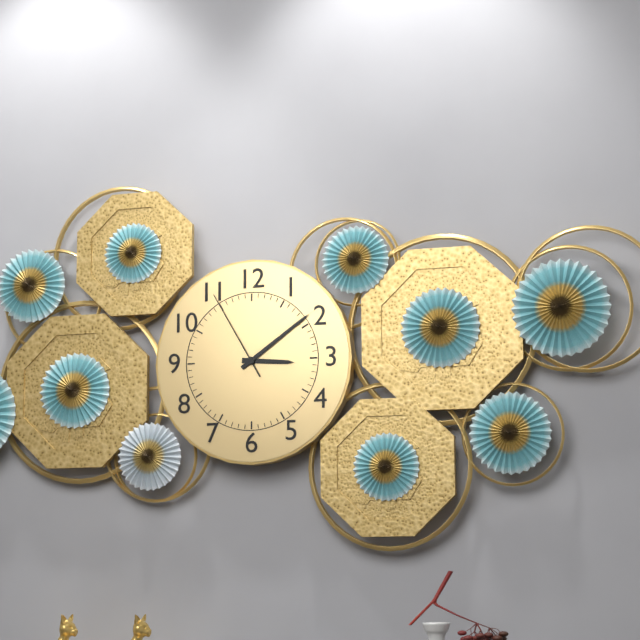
3:09:55
